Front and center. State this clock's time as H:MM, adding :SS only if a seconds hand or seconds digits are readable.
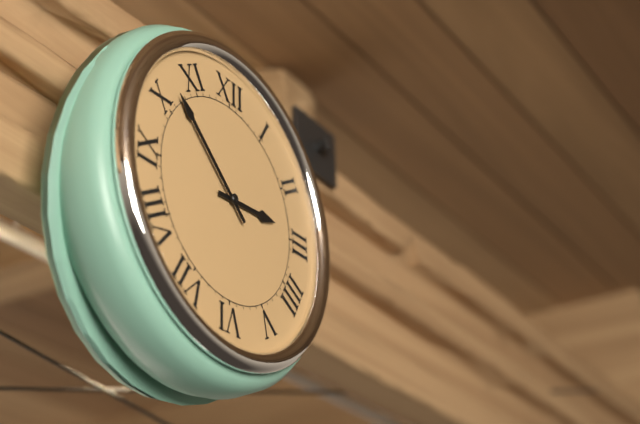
2:52
